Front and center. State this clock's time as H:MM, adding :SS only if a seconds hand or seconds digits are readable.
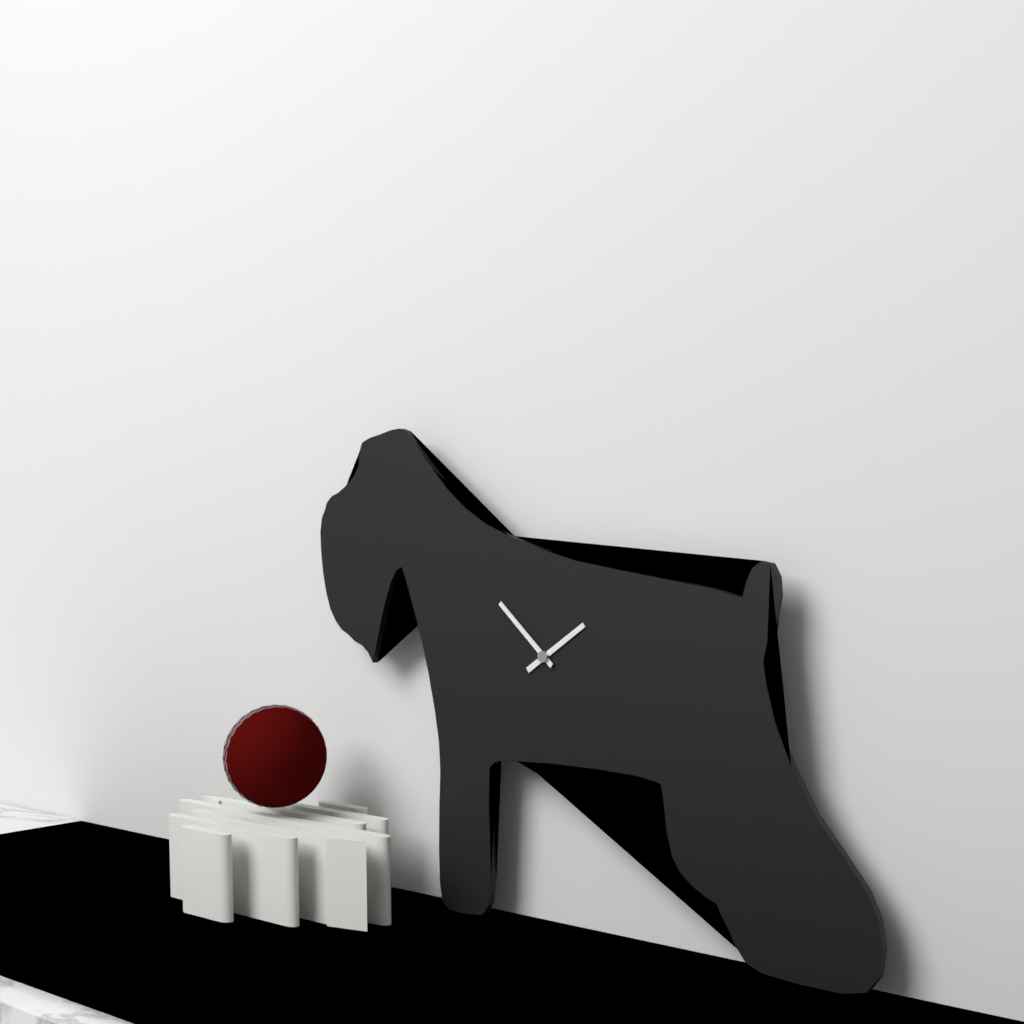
1:52
